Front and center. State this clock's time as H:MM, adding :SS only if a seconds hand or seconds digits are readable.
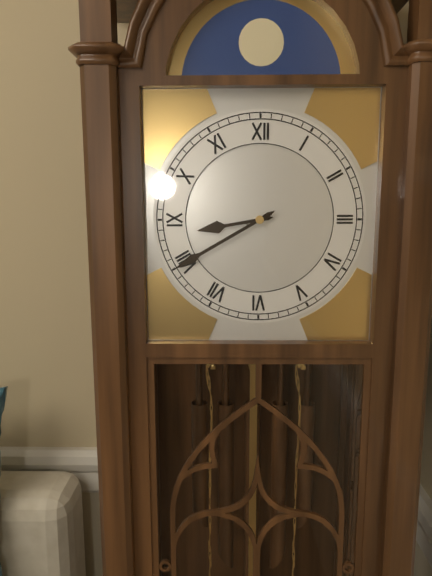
8:40
